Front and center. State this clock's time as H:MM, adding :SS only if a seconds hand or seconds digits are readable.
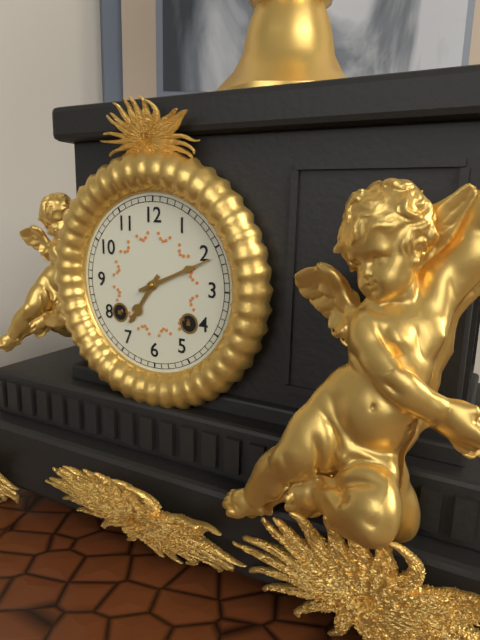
7:11
